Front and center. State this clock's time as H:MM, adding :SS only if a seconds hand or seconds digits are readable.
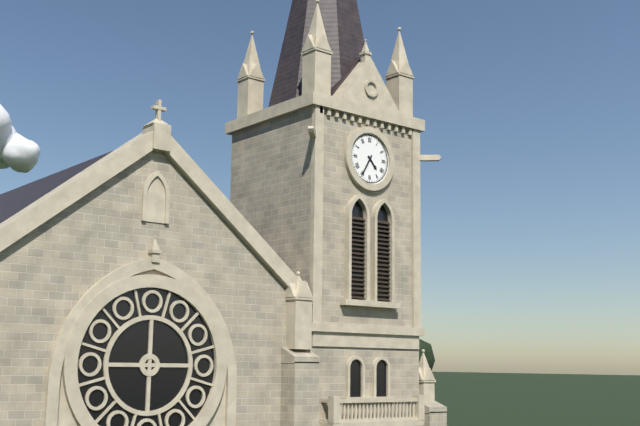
4:35
